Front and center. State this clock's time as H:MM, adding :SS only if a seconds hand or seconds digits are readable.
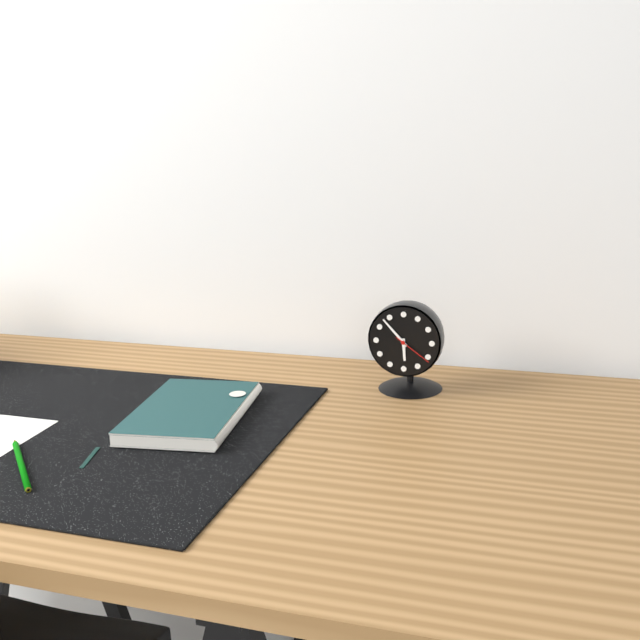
5:53
